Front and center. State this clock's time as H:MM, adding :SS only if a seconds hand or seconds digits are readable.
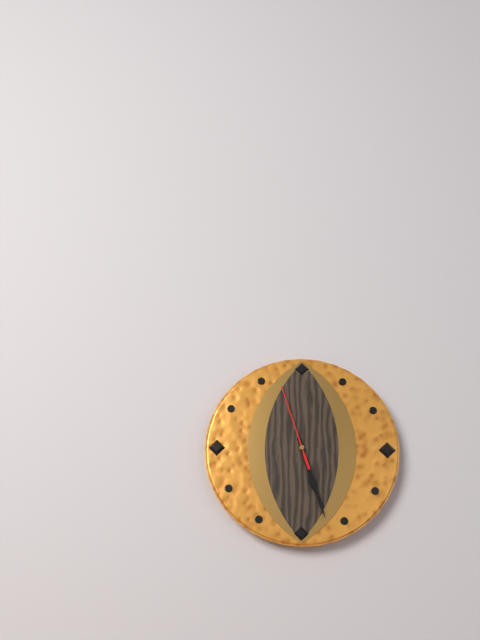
5:27:57
